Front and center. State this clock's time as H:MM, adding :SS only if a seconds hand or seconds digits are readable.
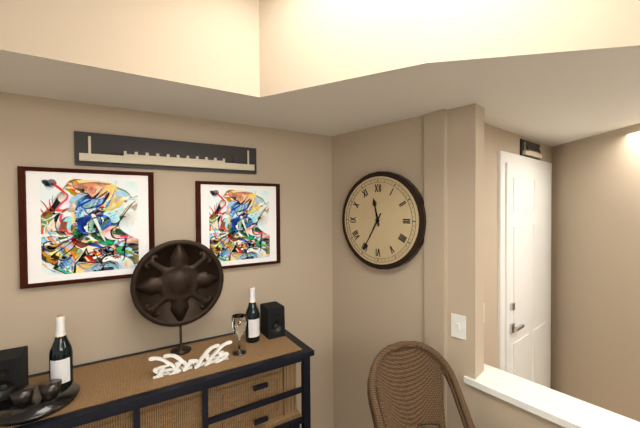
11:35
